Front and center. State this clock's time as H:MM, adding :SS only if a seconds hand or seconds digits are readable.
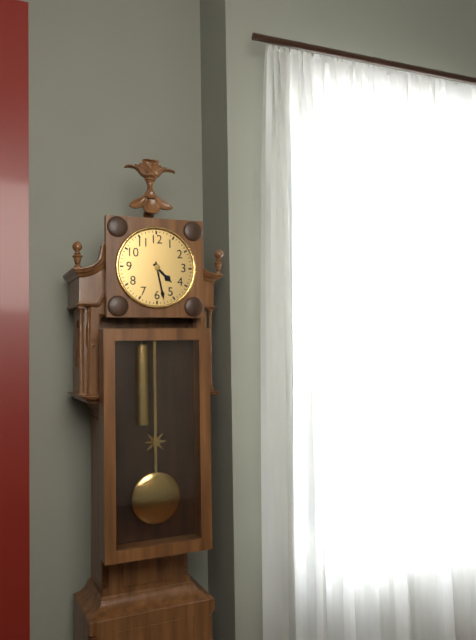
4:28
